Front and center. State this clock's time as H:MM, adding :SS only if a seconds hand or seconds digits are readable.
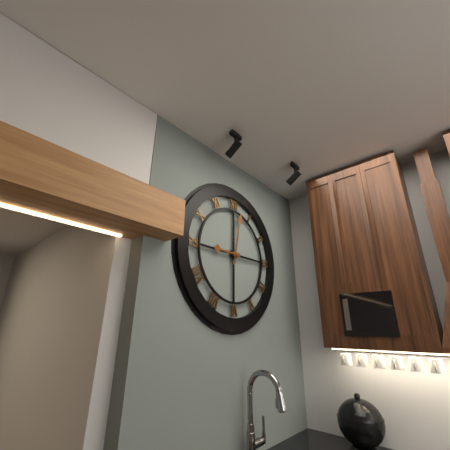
9:02
